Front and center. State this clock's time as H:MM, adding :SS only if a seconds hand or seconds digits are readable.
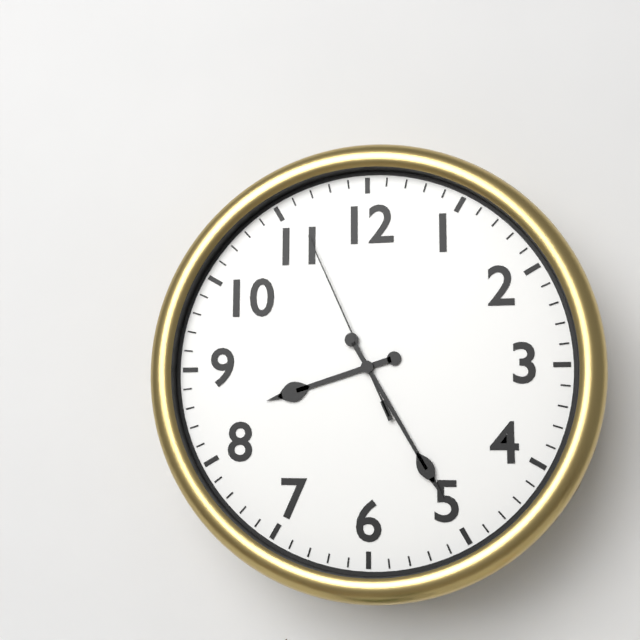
8:25:56
